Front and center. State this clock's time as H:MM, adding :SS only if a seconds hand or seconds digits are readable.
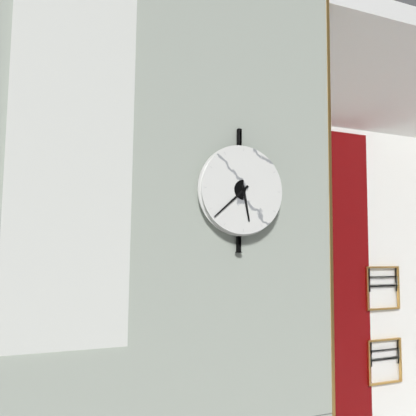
5:38
